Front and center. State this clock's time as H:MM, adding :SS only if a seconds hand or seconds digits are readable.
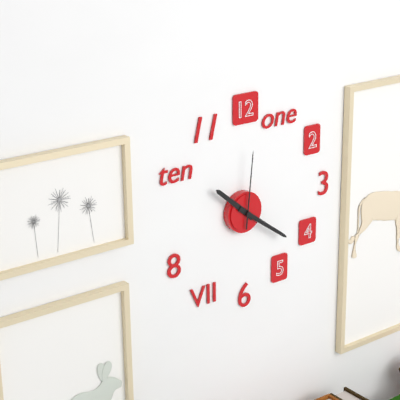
10:21:01
